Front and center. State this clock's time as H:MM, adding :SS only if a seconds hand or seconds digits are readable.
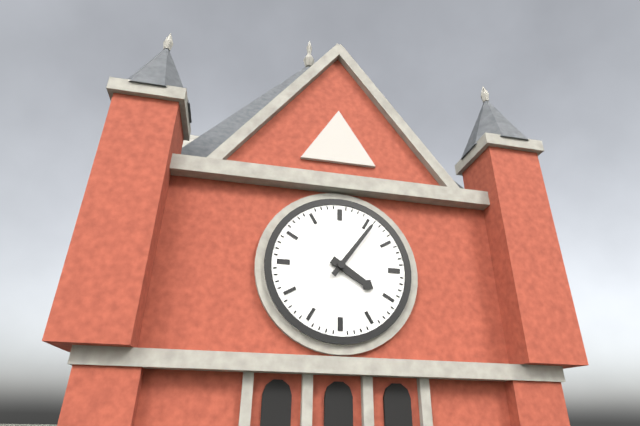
4:06
